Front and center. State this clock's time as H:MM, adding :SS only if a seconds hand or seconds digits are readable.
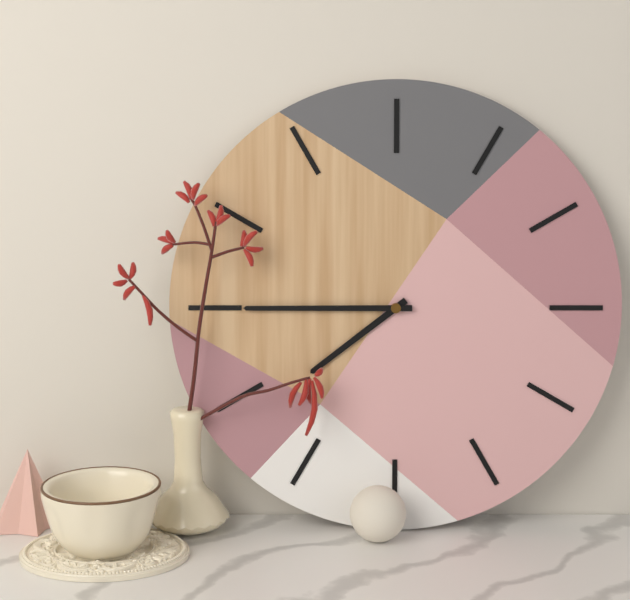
7:45
